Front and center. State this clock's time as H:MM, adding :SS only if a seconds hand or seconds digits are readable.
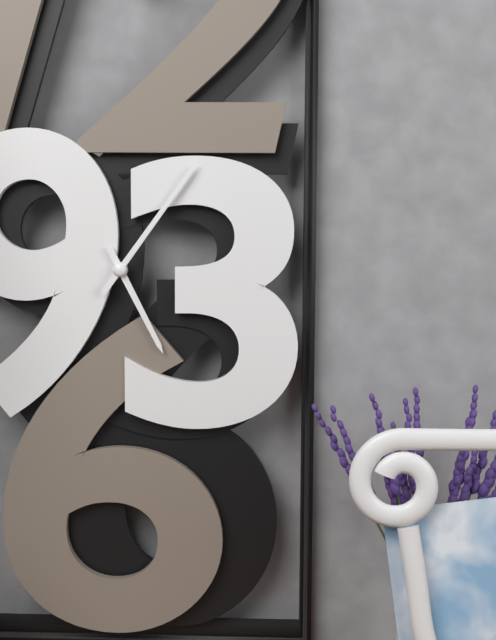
5:06
